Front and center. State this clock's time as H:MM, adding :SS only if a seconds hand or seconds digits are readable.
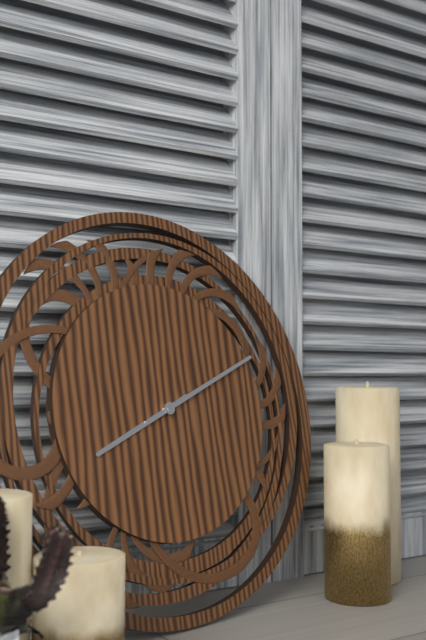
8:11
